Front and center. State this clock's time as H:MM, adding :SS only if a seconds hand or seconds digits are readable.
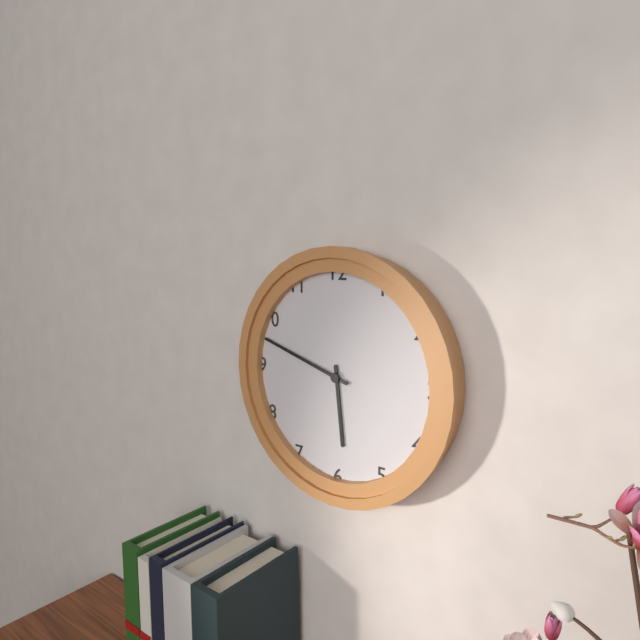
5:48
